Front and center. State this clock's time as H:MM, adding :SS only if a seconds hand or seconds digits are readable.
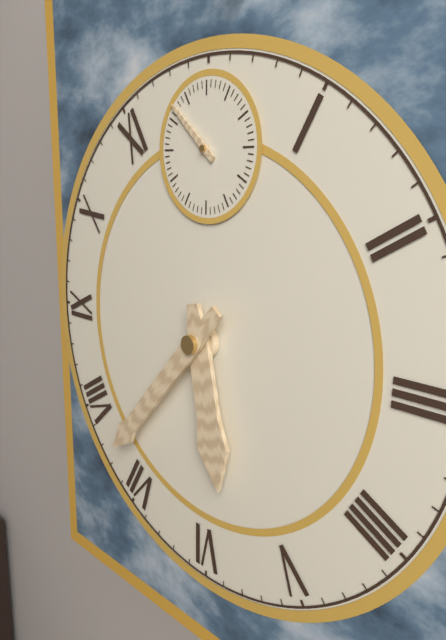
5:37:52
